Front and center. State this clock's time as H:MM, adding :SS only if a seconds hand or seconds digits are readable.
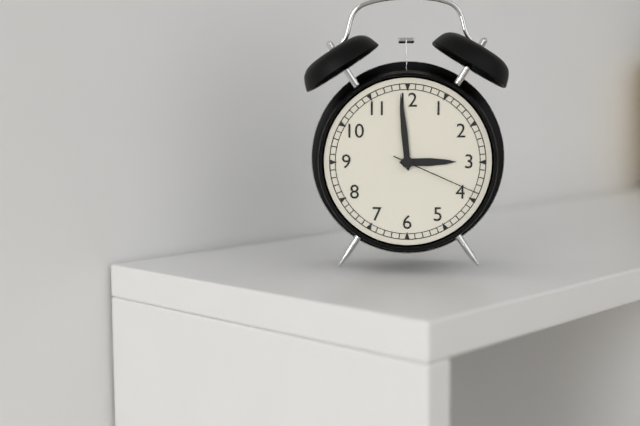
2:59:19
